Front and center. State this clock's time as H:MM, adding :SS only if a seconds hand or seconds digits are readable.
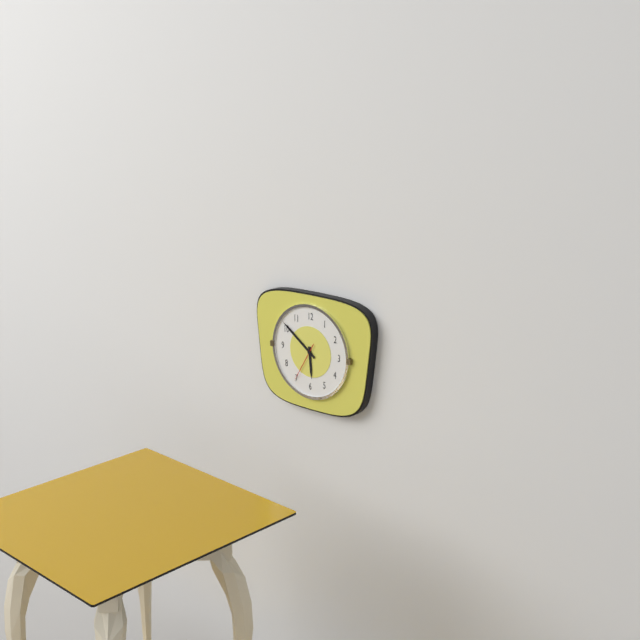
5:51
